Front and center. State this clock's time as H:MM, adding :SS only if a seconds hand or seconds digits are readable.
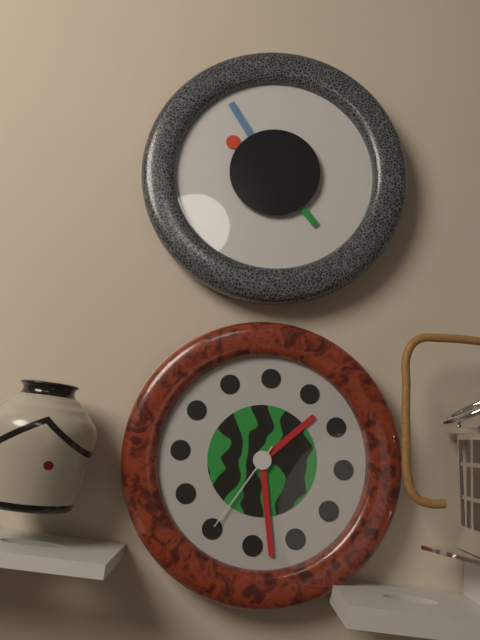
1:28:35
